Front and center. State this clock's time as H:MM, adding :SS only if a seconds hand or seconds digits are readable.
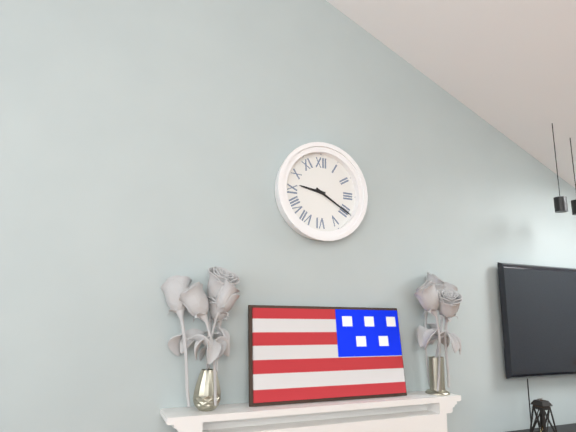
9:20
